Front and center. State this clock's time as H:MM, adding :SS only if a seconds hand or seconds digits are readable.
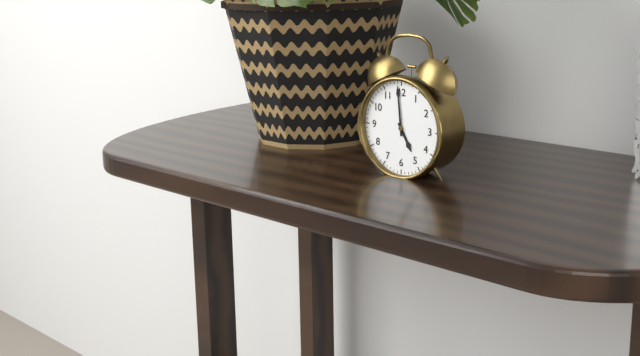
4:59
